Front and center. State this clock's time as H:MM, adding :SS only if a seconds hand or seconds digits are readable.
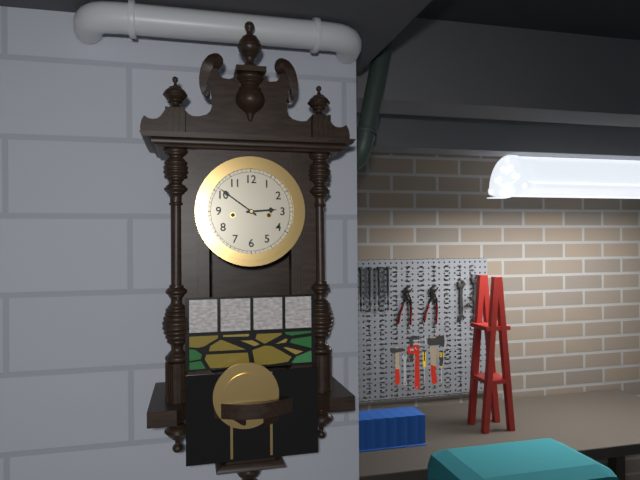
2:51
